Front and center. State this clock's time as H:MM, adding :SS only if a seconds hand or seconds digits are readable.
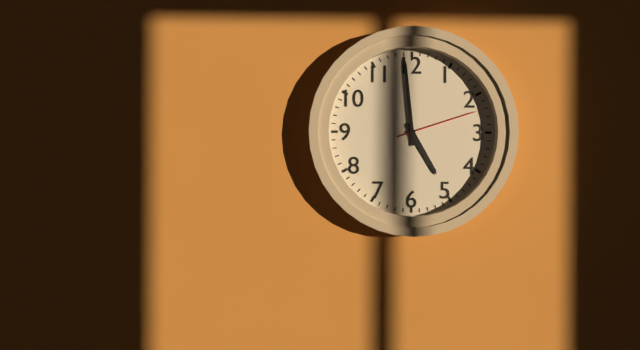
4:59:12
